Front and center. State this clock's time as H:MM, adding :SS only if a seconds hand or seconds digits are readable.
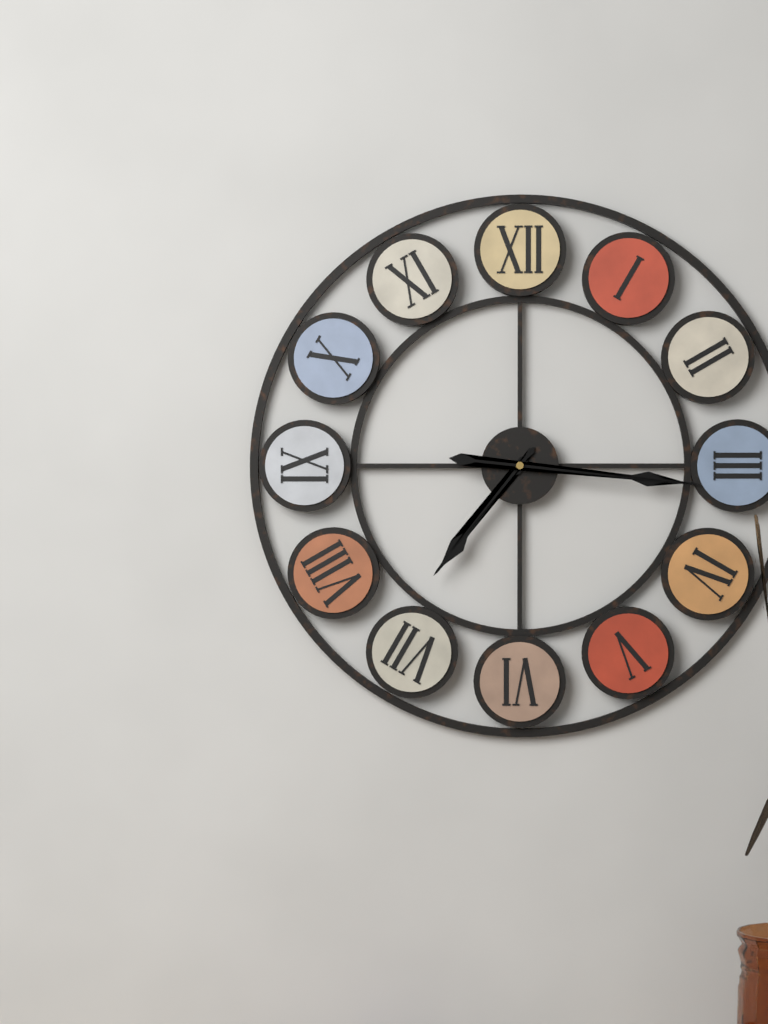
7:16
